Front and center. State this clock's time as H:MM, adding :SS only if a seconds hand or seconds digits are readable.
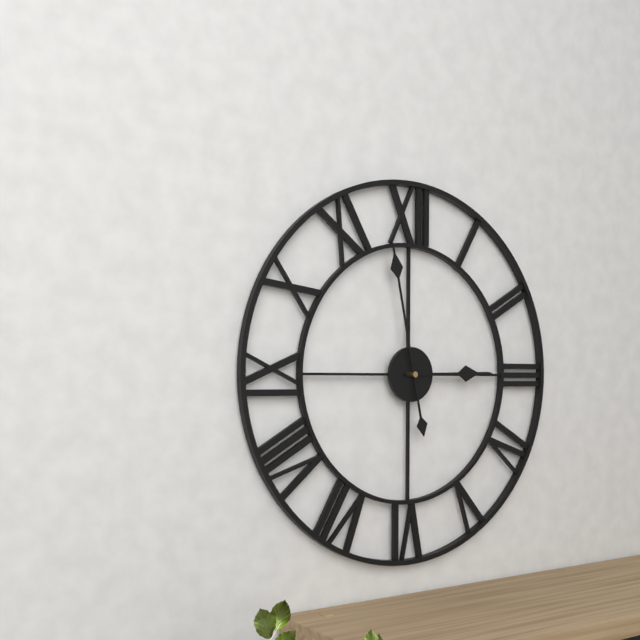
2:58
